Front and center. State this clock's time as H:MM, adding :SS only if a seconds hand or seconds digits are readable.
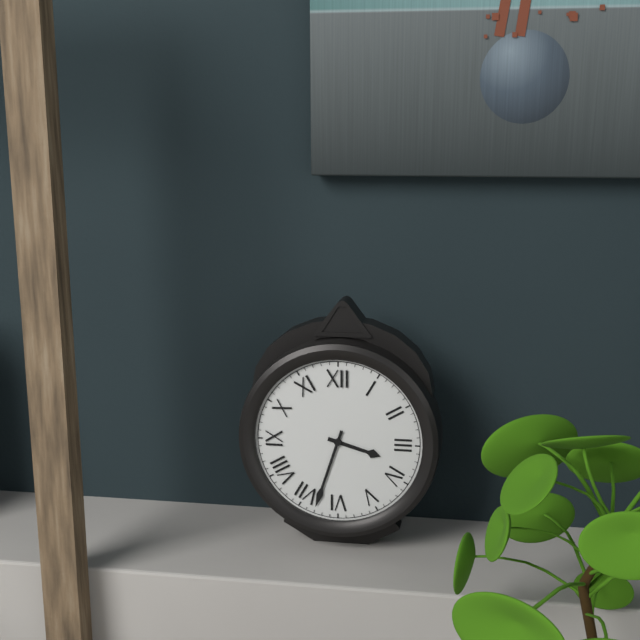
3:33
